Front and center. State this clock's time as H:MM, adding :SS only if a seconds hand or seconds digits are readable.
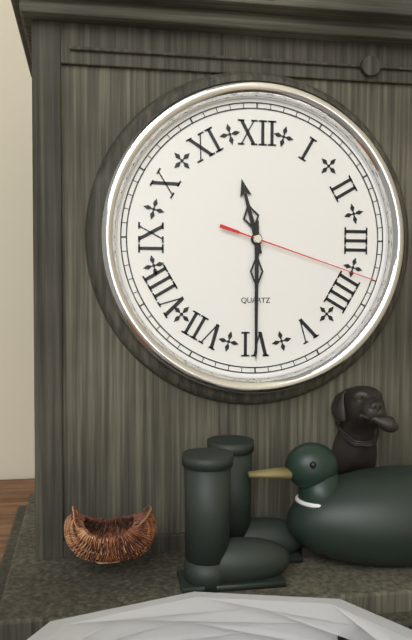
11:30:18
